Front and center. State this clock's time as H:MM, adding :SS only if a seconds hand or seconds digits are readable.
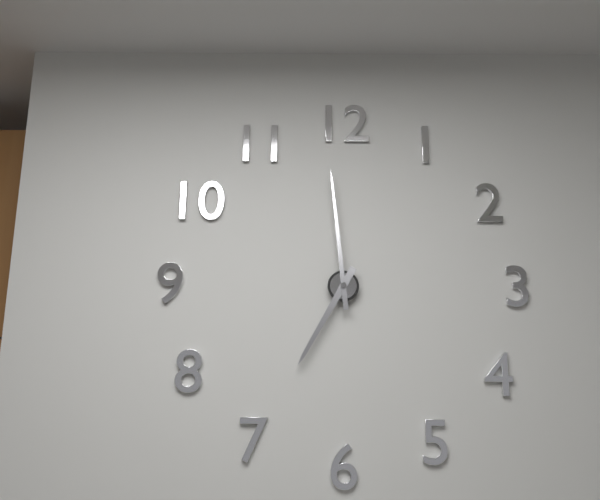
6:59
